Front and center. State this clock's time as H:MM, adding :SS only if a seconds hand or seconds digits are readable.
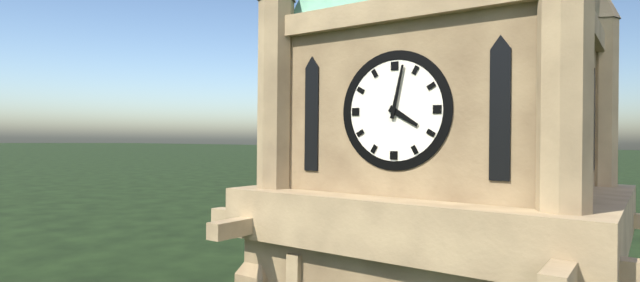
4:02
